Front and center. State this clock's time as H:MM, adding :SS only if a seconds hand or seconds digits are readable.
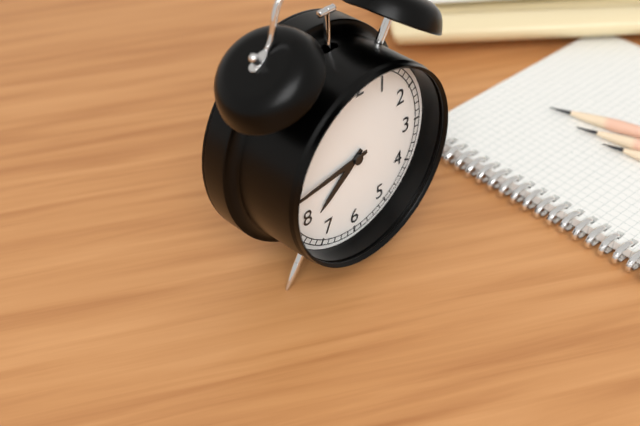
7:44
